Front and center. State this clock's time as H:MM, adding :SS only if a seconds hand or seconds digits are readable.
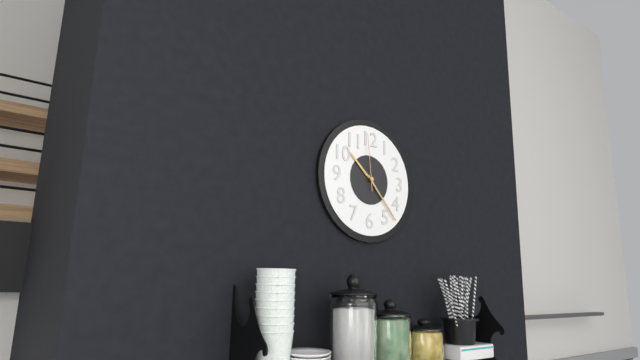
10:23:59
